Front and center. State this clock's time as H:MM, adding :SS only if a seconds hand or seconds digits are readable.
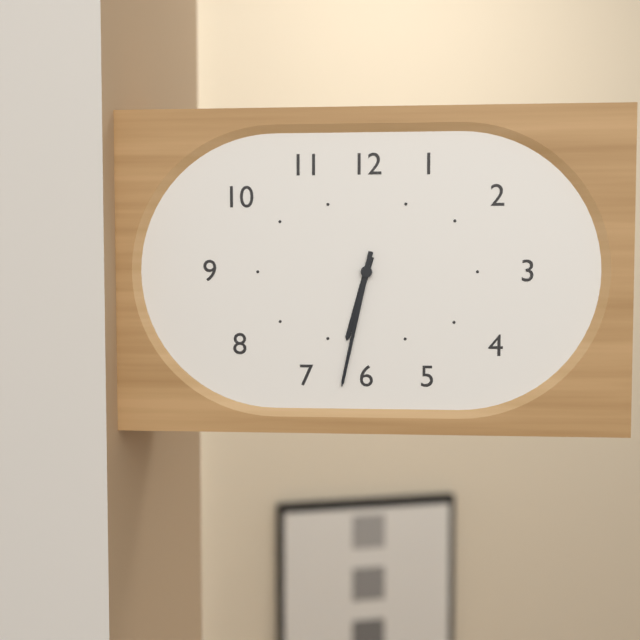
6:32
